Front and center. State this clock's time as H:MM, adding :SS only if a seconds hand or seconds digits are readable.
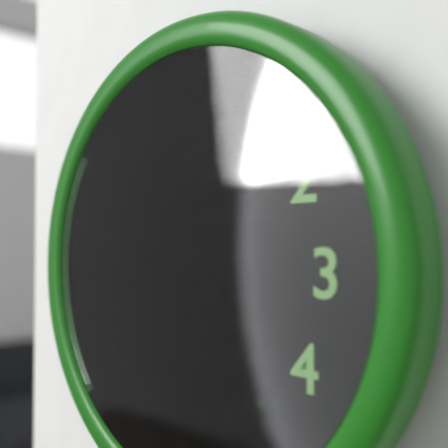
6:32:42
